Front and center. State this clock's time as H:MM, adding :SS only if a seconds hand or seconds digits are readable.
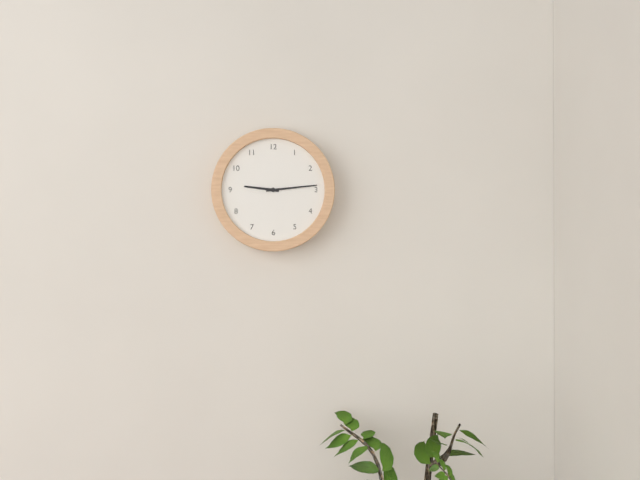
9:14
